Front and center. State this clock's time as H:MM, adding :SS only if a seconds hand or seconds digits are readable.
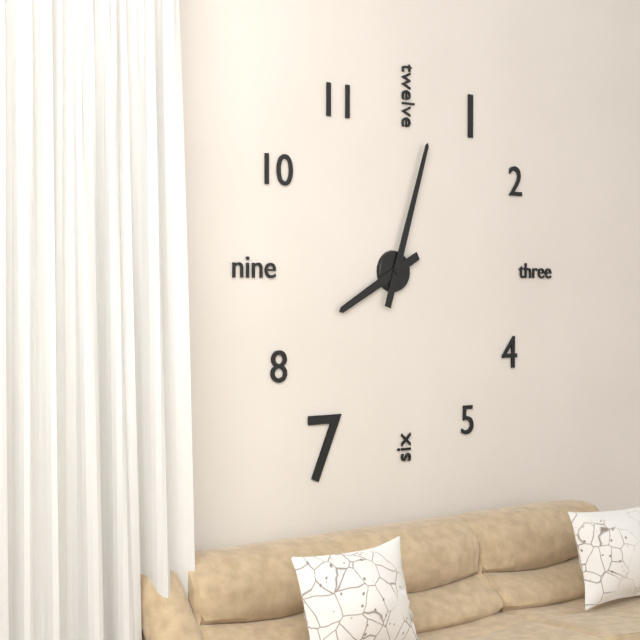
8:03
